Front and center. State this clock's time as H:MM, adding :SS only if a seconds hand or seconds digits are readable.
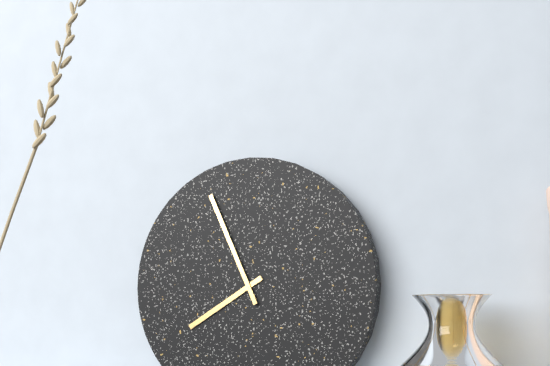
7:56
